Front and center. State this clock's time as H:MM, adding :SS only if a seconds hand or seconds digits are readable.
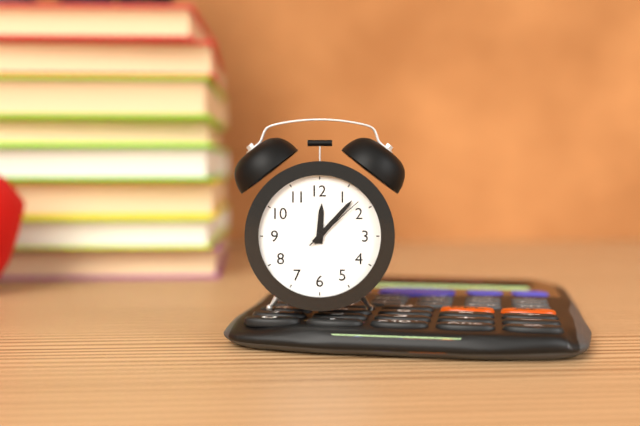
12:07:08
